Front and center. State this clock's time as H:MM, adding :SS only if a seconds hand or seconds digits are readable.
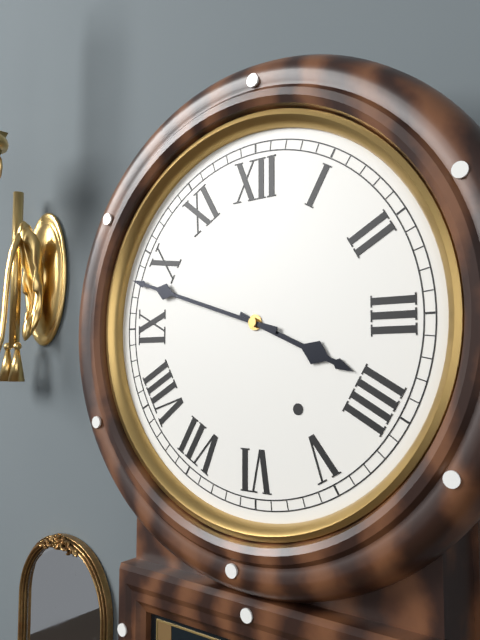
3:48
